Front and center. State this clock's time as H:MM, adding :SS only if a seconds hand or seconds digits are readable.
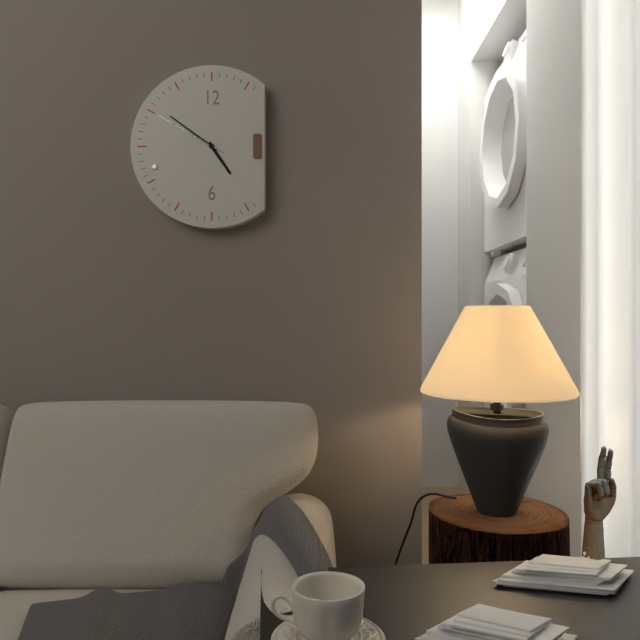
4:51:50
